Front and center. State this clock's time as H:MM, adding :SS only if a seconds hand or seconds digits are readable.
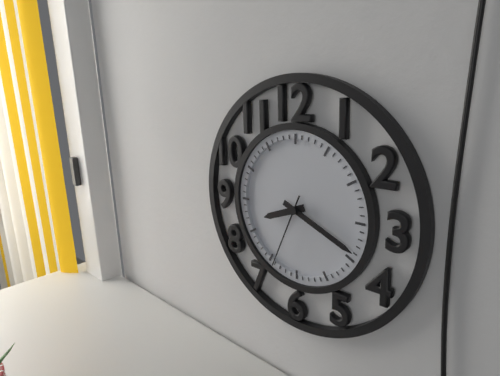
8:19:34
